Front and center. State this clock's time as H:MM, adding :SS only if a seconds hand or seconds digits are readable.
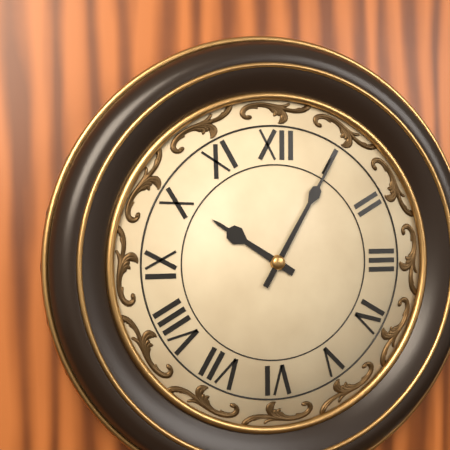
10:05
